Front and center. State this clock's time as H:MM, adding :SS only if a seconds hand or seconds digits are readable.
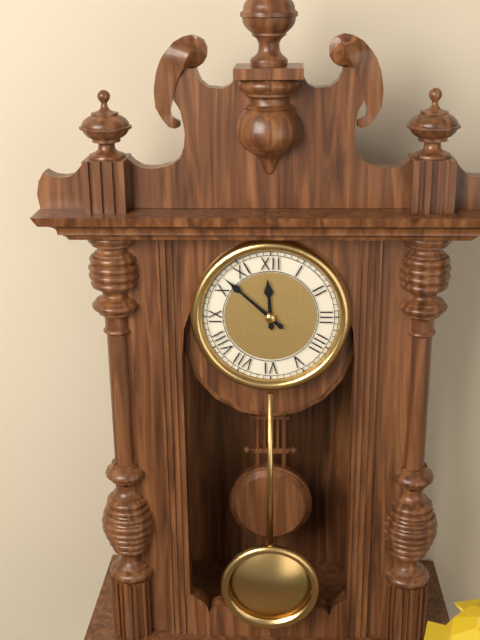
11:52
